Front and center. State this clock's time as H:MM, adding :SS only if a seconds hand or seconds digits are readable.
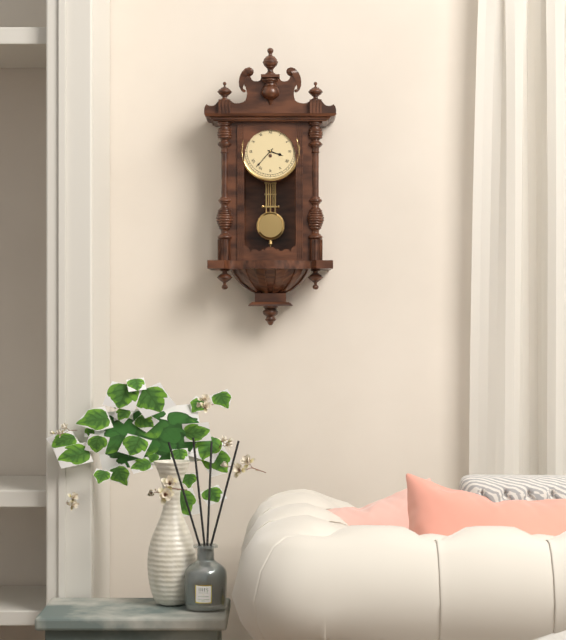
3:37
